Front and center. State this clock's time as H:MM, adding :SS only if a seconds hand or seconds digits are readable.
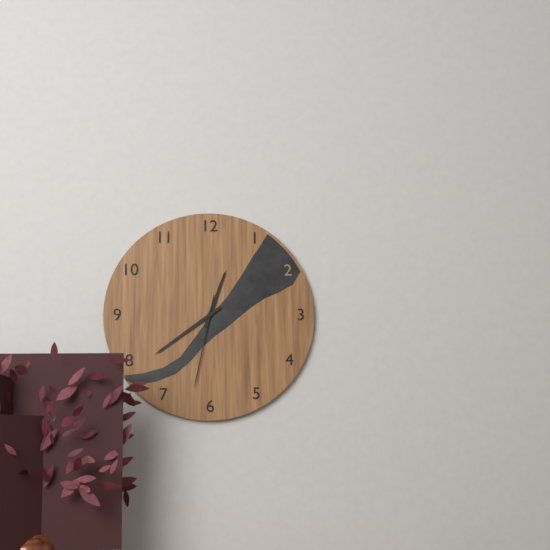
12:39:32
